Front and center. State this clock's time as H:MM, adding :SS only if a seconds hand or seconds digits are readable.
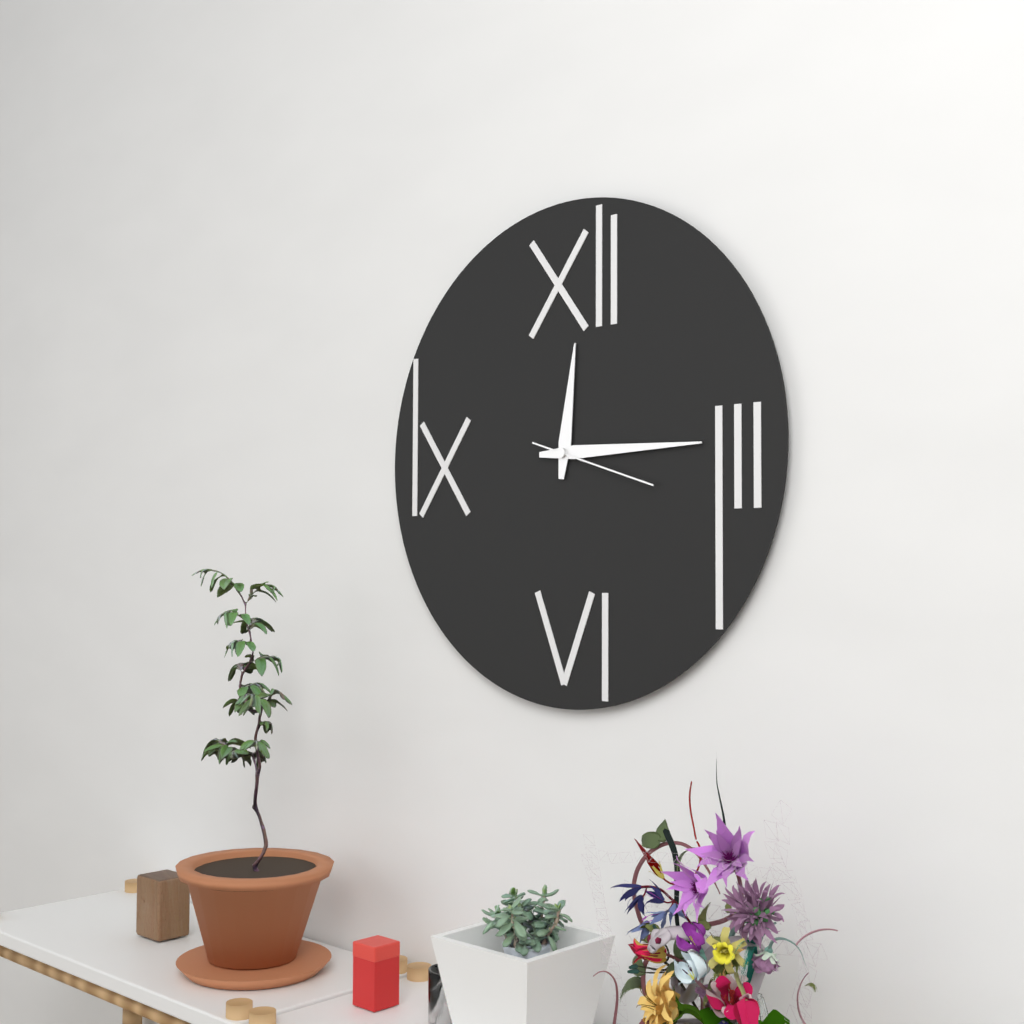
12:15:18
